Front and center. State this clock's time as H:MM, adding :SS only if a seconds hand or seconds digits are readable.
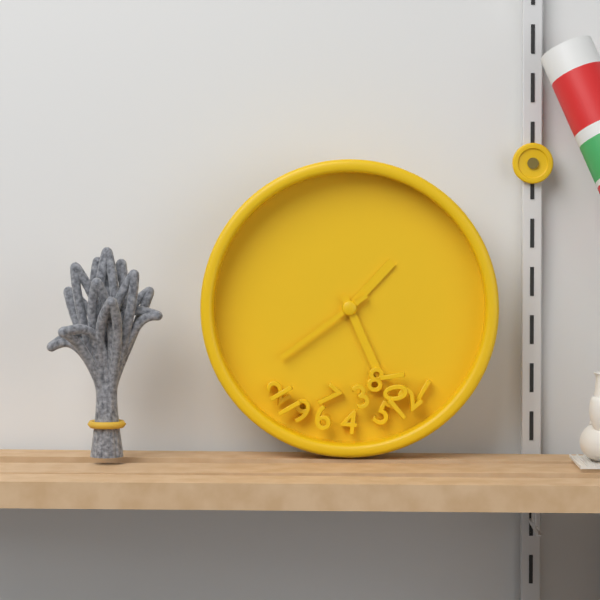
1:26:39
